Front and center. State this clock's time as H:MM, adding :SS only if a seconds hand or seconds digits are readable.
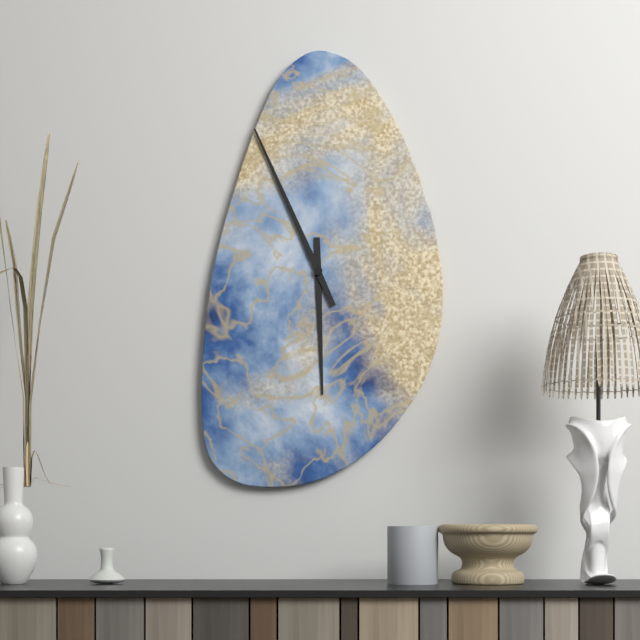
5:56
